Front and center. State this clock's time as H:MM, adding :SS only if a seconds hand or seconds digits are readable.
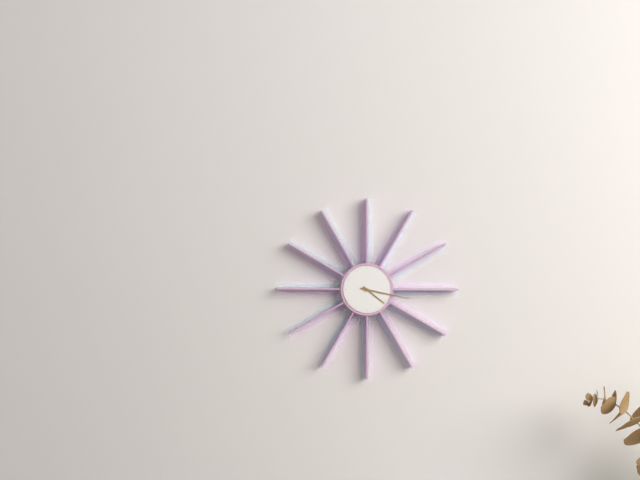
4:17
